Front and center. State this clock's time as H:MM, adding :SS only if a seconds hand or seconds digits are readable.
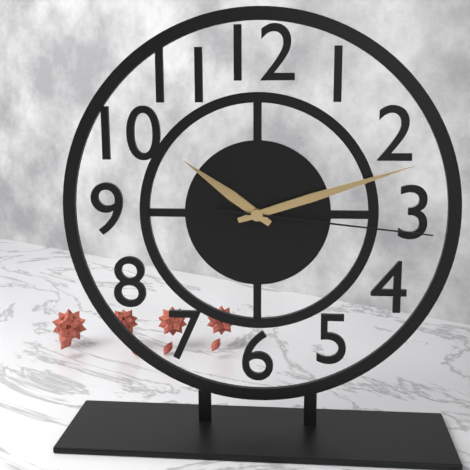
10:12:16
